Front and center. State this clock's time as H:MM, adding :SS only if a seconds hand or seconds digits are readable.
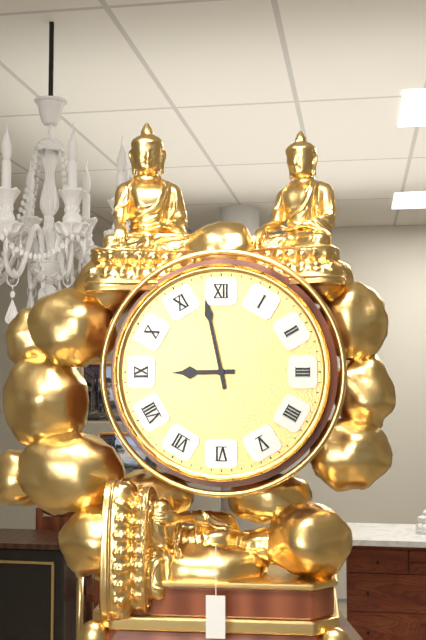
8:58
